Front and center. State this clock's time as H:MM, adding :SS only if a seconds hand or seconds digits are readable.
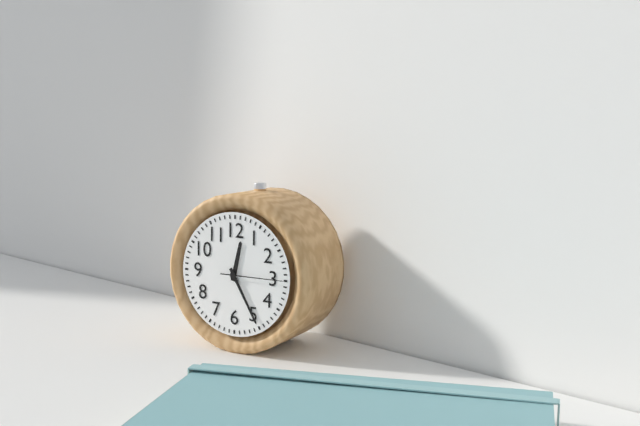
12:25:15
